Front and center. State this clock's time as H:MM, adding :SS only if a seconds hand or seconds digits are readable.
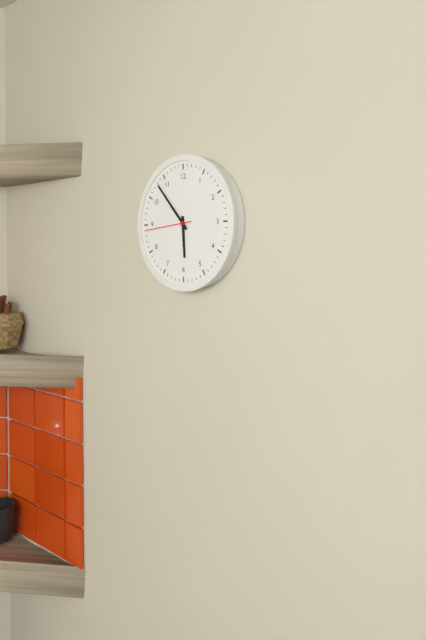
5:53
